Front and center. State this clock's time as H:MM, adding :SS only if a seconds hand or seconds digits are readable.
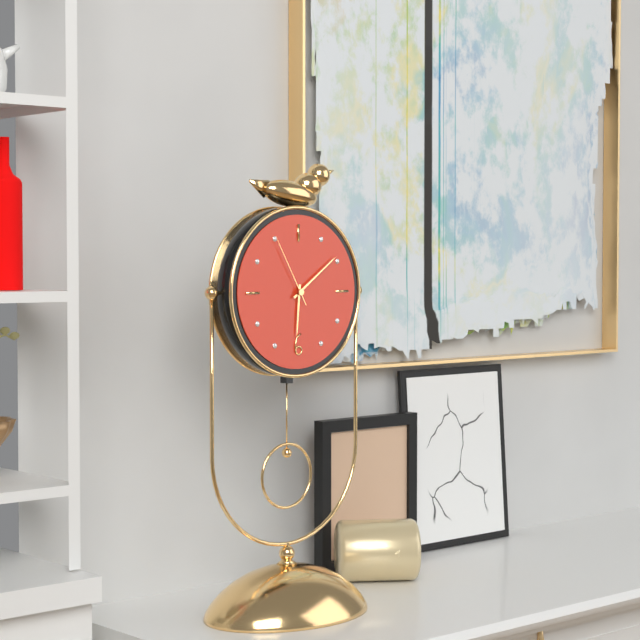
6:09:55
